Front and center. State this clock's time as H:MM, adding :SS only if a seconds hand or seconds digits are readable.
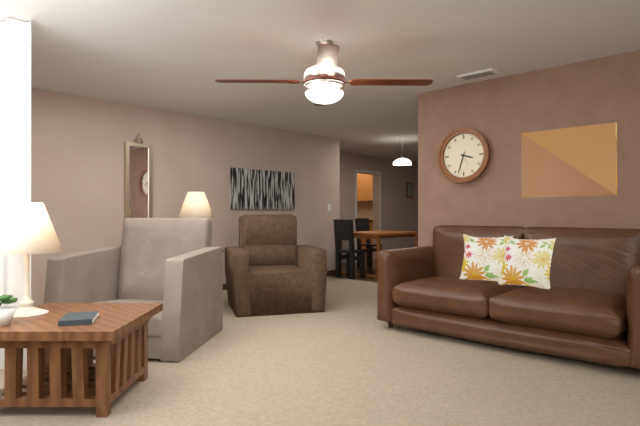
3:33
